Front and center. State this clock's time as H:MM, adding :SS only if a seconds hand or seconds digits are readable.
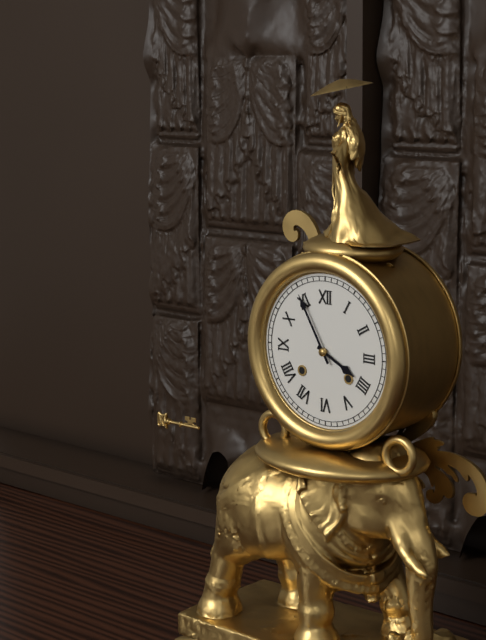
3:55
